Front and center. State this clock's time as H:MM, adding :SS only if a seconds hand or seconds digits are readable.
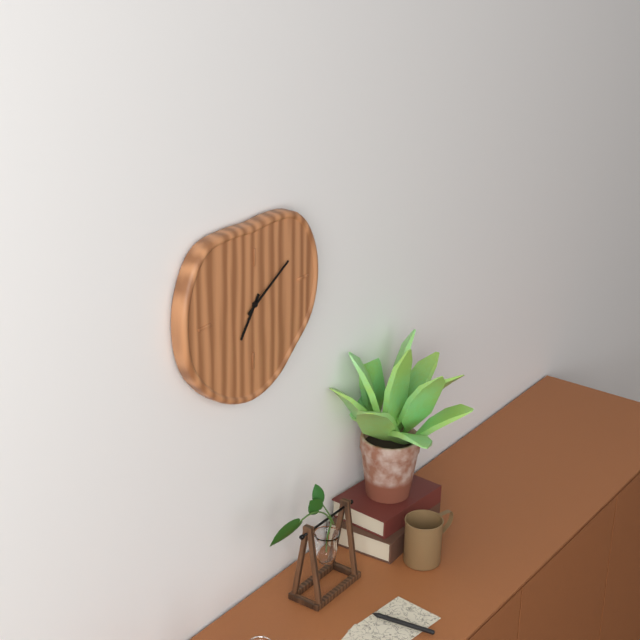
7:10
